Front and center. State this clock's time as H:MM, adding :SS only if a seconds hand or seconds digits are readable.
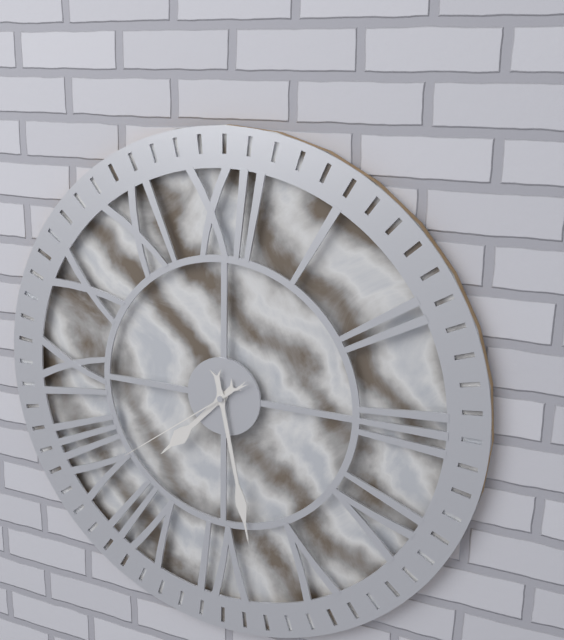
7:28:39
